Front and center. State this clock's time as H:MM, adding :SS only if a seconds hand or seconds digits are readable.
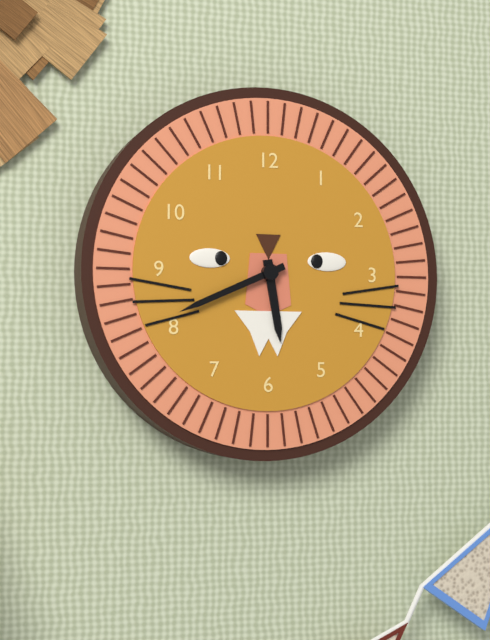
5:41
